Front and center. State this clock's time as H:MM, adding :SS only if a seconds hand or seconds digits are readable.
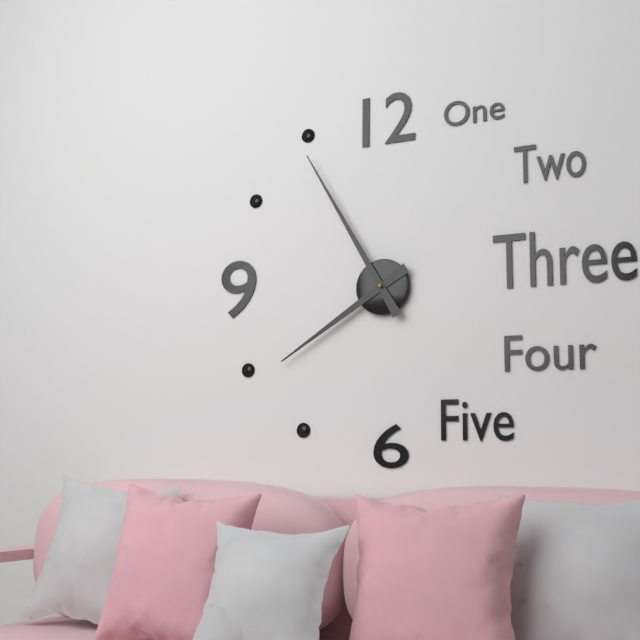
7:55
